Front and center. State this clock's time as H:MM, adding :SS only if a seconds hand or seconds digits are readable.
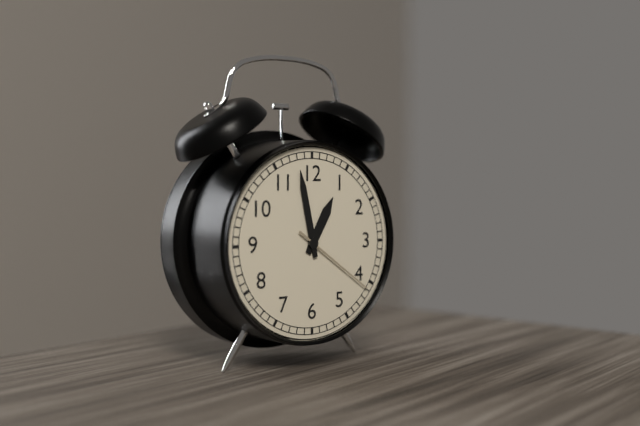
12:58:21
